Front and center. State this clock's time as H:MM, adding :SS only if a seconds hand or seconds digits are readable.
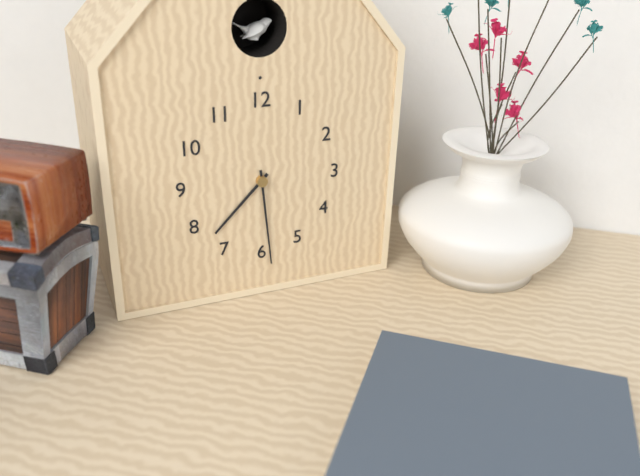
7:29
